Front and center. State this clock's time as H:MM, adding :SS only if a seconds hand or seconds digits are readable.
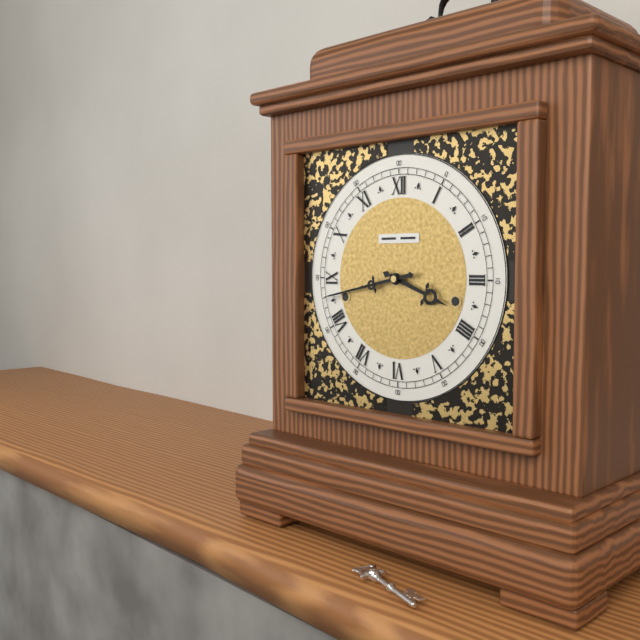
3:43
